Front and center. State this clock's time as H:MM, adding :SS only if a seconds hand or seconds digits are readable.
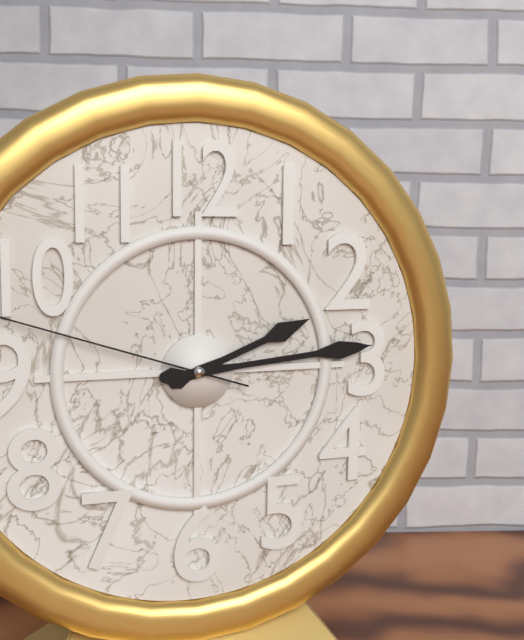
2:14
